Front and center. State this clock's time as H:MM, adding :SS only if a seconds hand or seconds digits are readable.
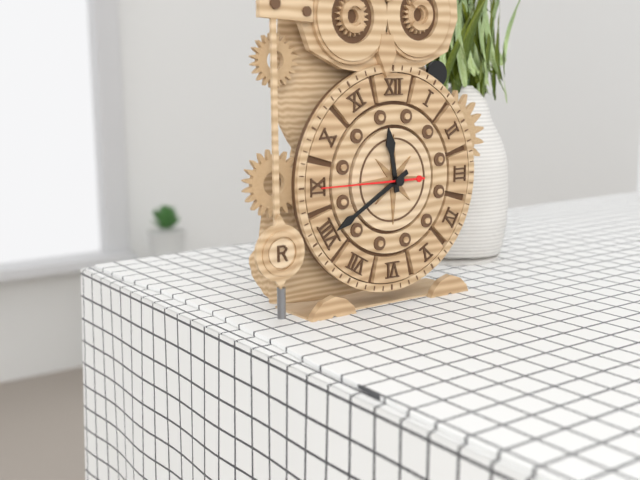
11:40:45
